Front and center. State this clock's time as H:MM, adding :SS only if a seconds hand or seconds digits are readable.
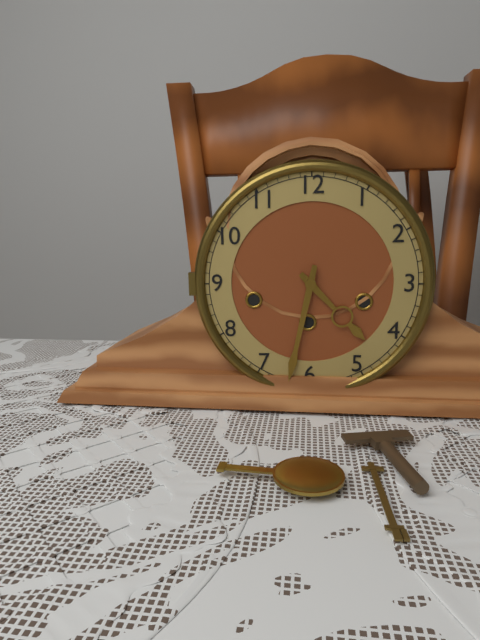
4:32
